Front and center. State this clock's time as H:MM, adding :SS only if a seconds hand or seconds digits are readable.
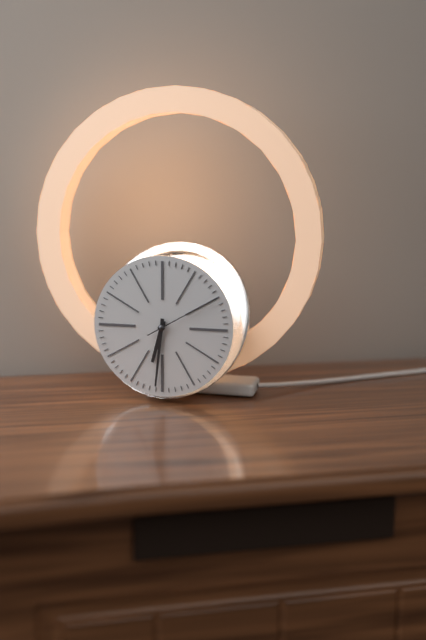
6:31:10
